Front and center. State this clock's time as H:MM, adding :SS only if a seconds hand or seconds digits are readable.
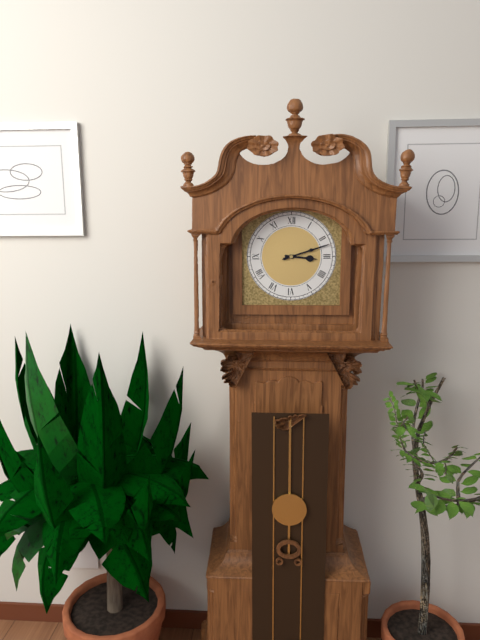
3:12
